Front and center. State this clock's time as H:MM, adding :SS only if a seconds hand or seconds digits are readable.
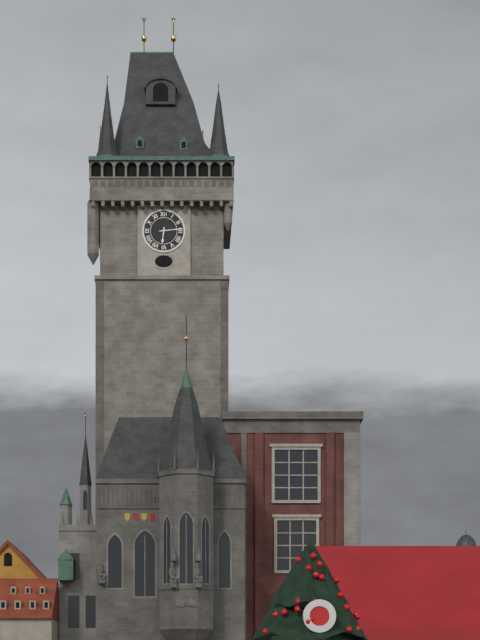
6:14
